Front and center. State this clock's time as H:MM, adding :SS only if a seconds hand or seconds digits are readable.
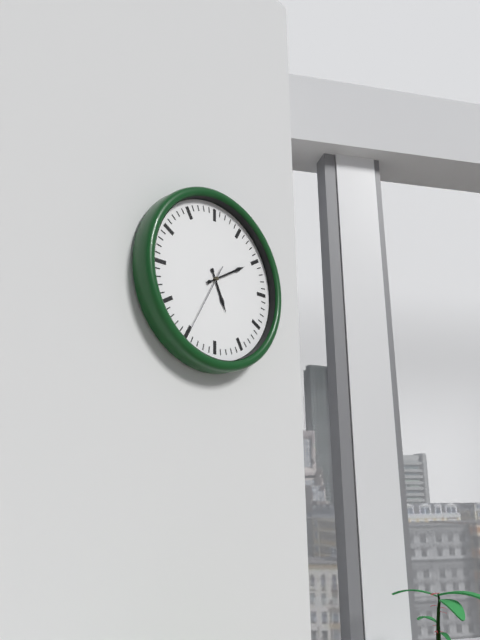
5:10:35
